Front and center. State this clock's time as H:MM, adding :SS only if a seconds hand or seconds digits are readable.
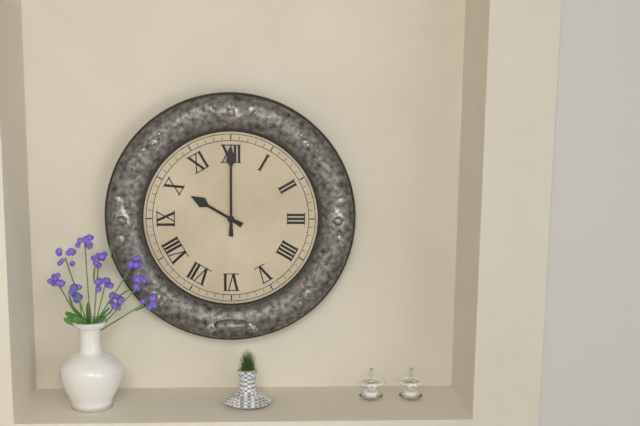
10:00
